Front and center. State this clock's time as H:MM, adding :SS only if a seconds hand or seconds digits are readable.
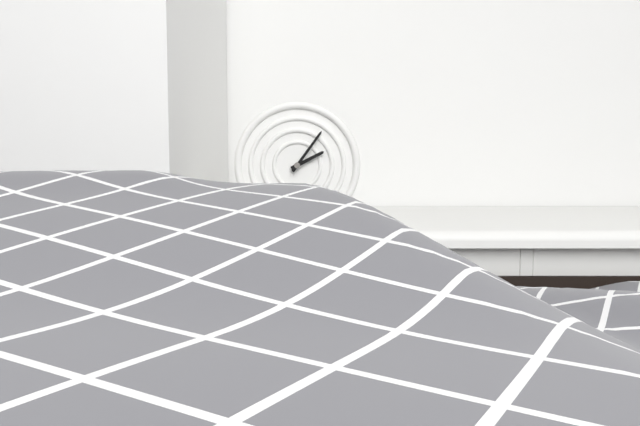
2:06
